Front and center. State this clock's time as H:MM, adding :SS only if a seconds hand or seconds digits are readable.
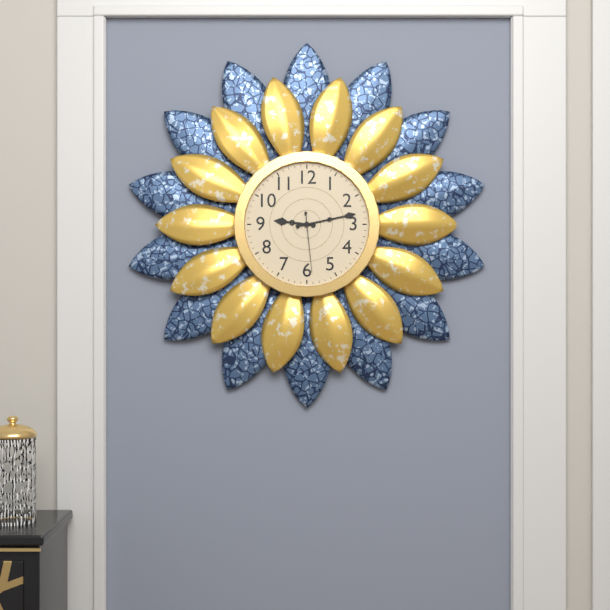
9:13:29
